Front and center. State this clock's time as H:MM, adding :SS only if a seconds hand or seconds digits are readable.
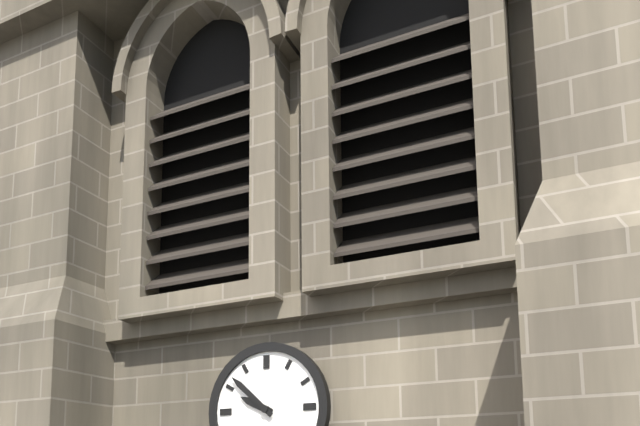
9:52
